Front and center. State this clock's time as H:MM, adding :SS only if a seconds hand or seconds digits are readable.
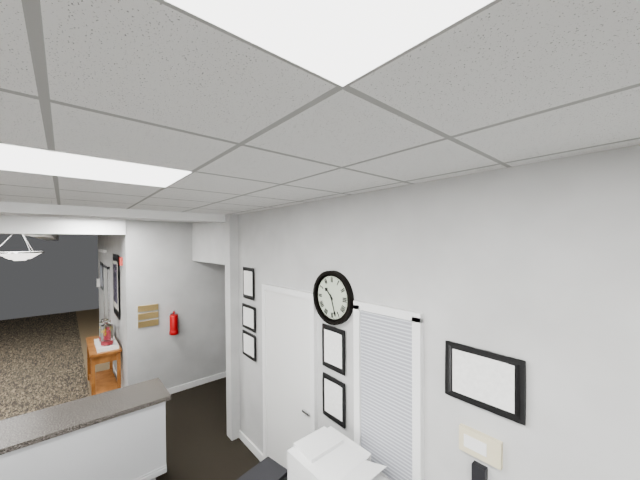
10:27
